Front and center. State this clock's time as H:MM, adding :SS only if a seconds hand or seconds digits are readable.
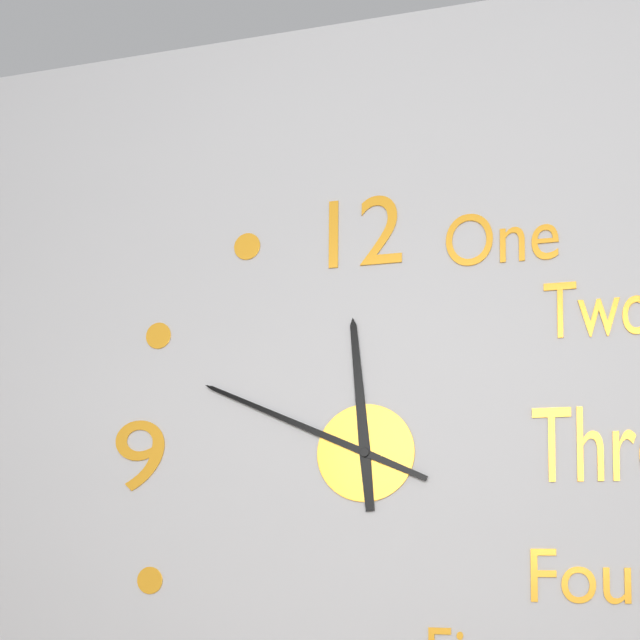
11:49
